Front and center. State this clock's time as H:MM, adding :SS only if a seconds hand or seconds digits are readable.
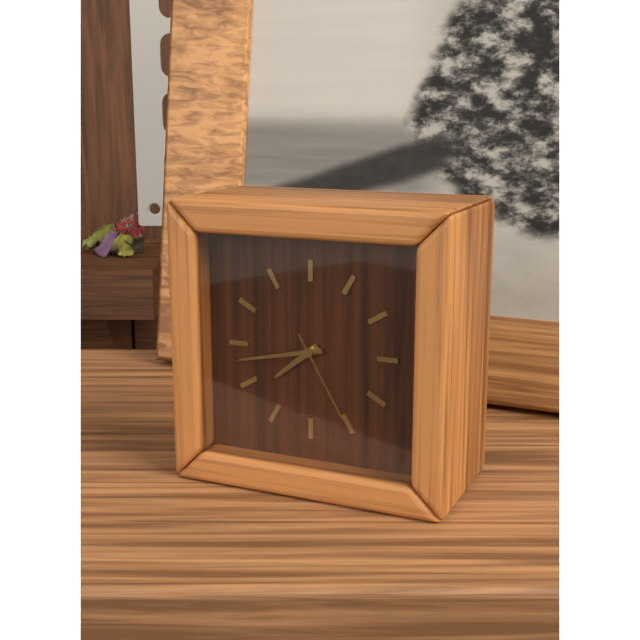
7:43:25
